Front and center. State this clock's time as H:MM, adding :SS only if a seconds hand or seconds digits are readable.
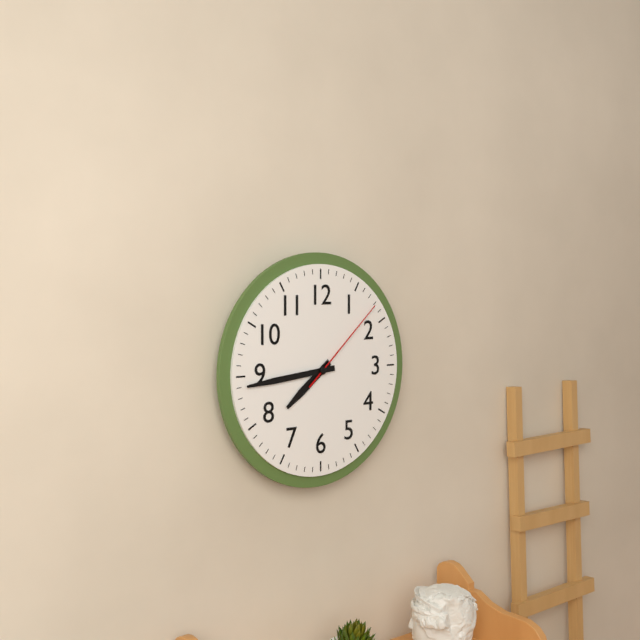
7:44:08
